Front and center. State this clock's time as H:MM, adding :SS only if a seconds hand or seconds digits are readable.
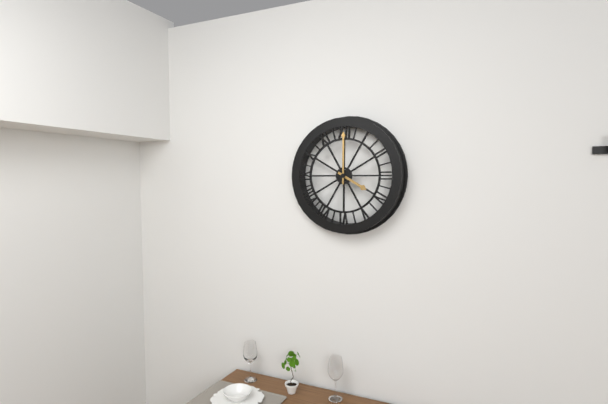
4:00
